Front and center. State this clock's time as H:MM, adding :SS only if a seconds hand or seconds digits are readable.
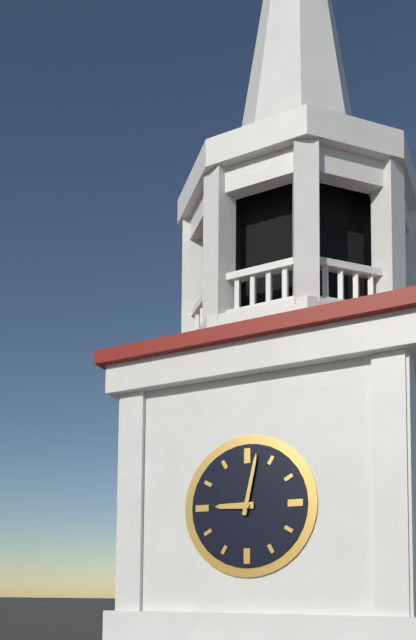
9:02
